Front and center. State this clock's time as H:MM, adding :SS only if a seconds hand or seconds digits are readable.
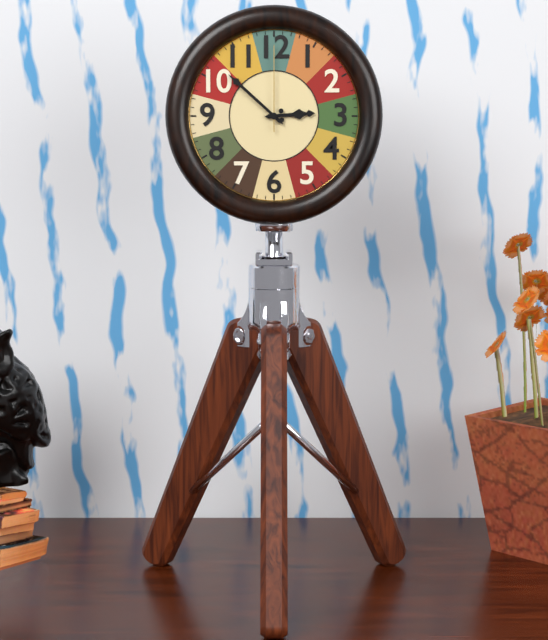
2:52:00
